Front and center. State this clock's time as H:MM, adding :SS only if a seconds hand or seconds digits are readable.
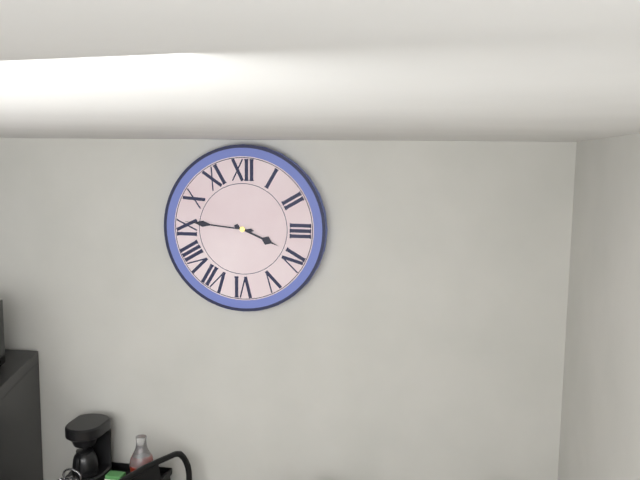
3:46
